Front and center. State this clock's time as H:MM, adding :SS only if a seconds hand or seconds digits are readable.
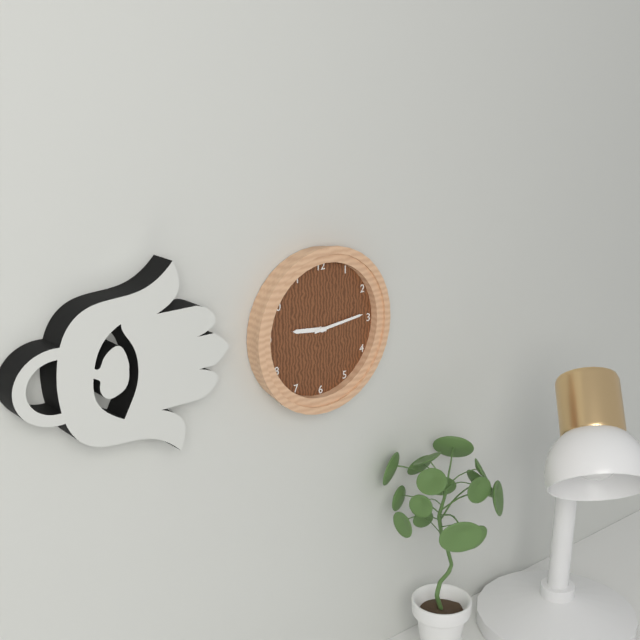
9:14
